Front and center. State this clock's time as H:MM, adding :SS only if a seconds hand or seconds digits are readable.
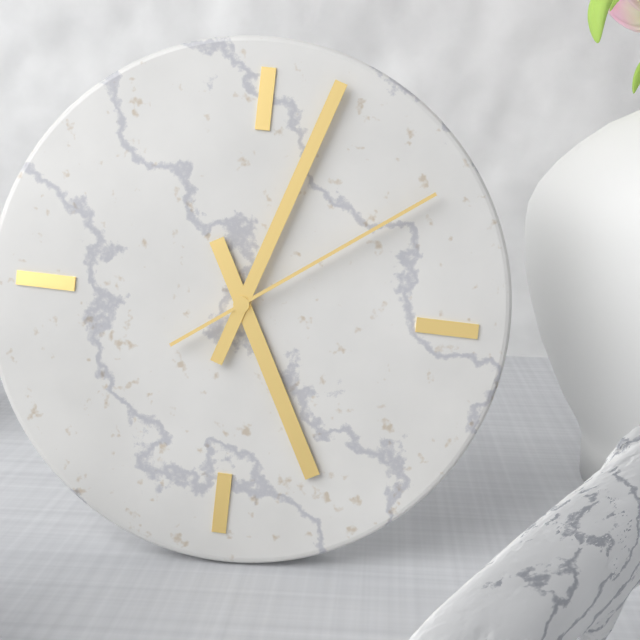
5:03:09
